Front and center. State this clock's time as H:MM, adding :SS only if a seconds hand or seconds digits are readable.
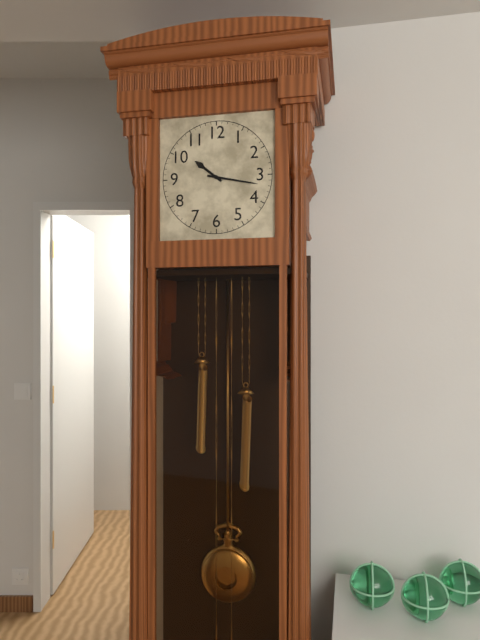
10:17
